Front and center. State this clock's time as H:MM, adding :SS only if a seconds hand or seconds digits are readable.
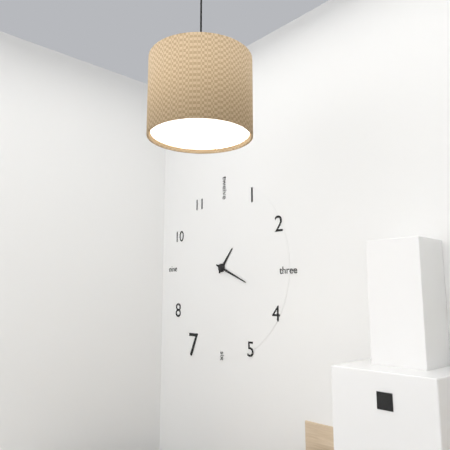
1:19
